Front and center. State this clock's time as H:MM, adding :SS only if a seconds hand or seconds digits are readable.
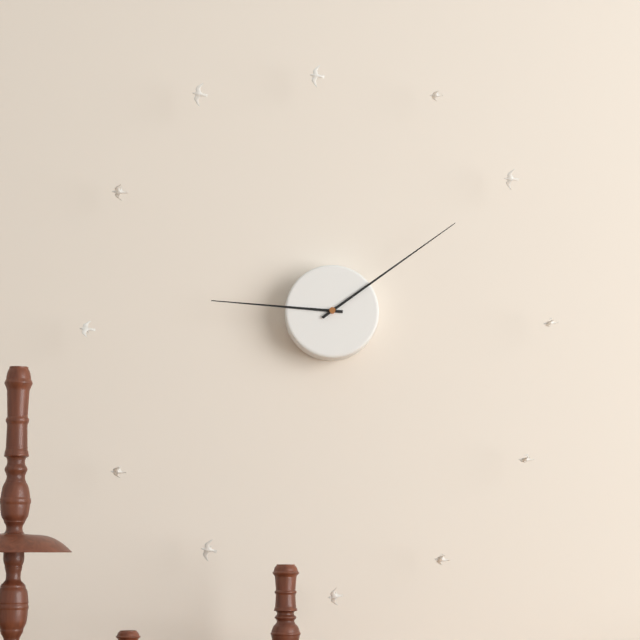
9:09
